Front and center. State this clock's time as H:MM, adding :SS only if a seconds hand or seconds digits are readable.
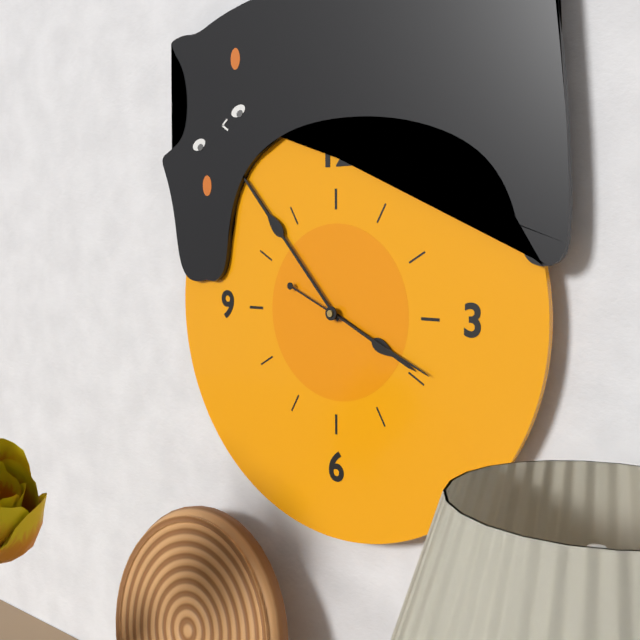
3:53:19
